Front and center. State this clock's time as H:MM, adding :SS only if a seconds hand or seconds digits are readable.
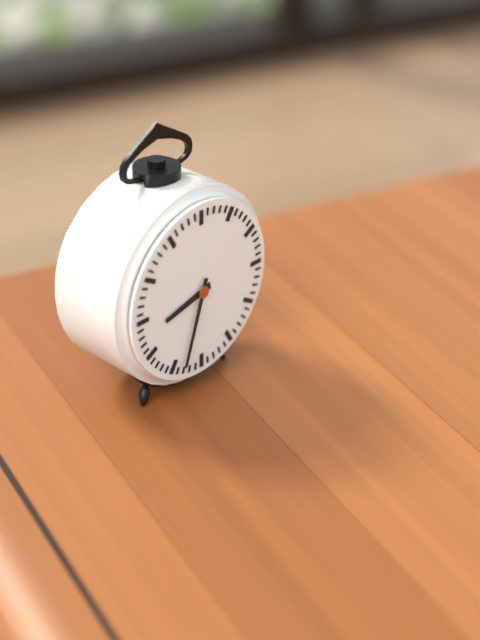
8:33
